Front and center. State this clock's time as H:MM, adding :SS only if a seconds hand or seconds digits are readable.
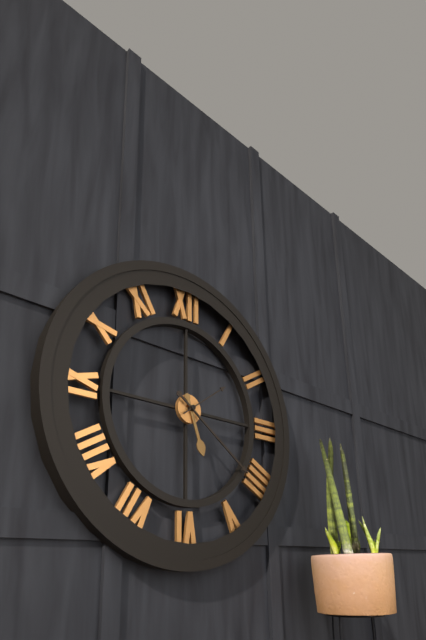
5:21
